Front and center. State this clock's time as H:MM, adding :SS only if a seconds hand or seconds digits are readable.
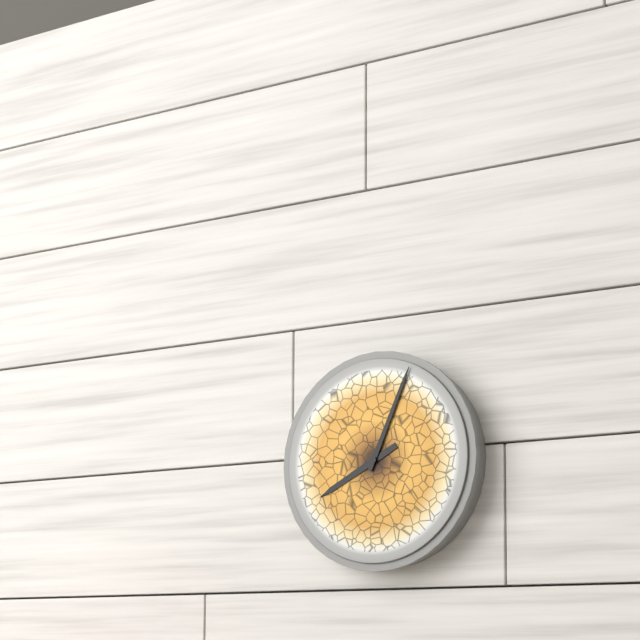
8:04
